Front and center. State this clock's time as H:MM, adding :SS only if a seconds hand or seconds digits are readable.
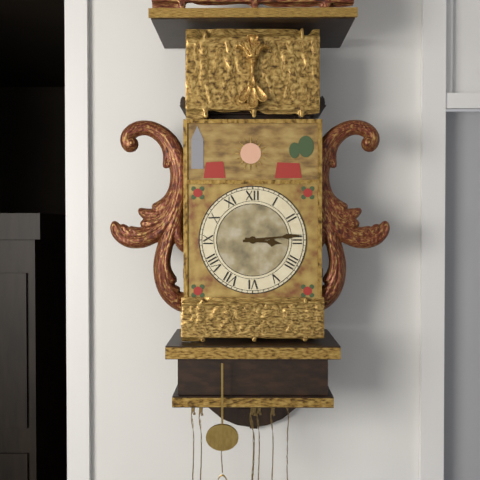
3:14
